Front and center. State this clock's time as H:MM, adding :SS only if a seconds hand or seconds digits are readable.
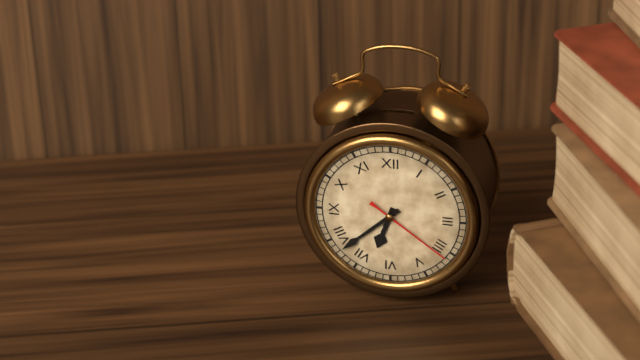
6:38:21
